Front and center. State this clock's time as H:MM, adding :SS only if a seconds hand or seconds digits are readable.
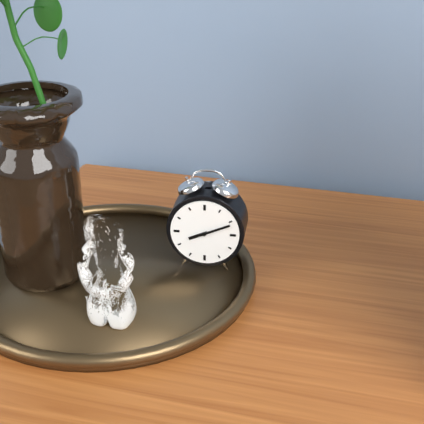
8:11
